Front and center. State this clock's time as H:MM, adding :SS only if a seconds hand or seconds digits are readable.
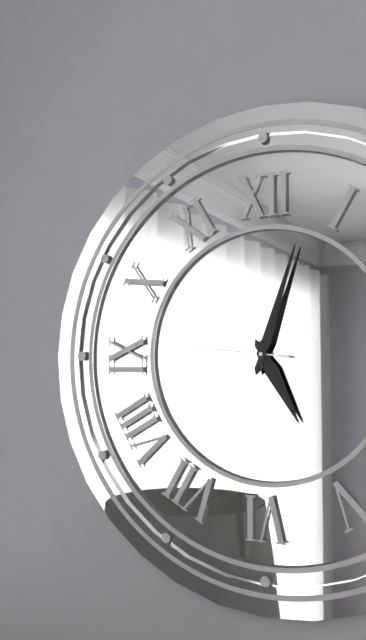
5:03:46
